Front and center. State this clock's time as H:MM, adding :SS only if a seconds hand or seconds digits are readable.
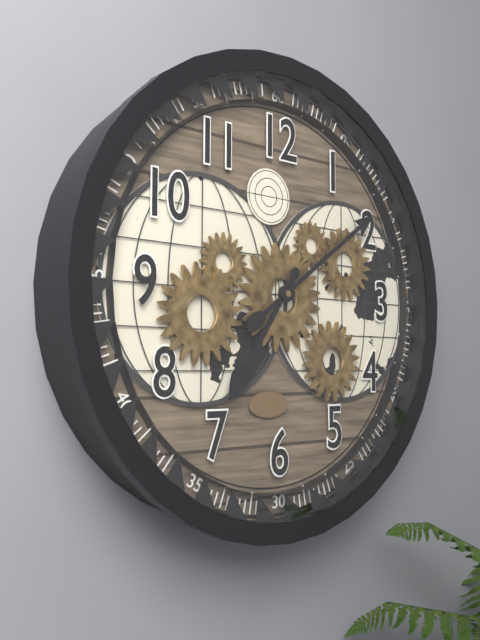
7:09
